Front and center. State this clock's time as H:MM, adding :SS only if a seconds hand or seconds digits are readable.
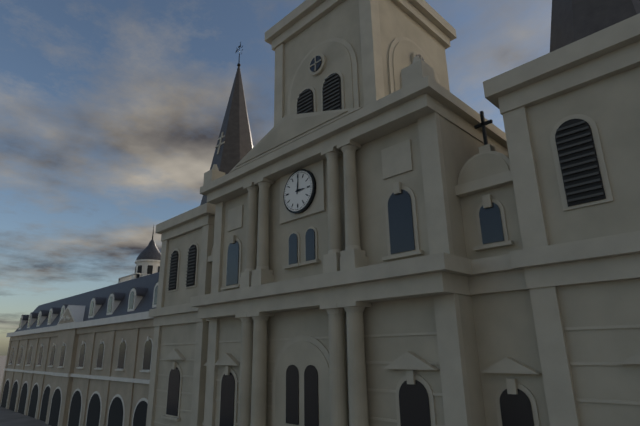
3:01
